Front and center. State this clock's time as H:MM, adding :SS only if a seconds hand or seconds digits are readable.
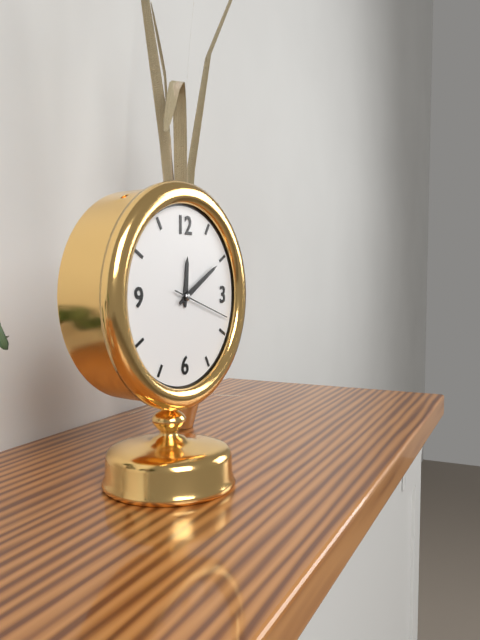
12:10:18
